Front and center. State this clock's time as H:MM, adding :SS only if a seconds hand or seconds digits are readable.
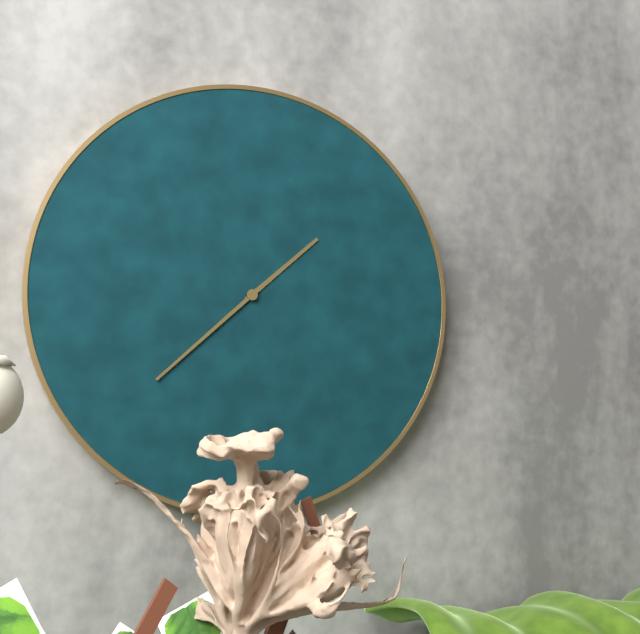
1:38
